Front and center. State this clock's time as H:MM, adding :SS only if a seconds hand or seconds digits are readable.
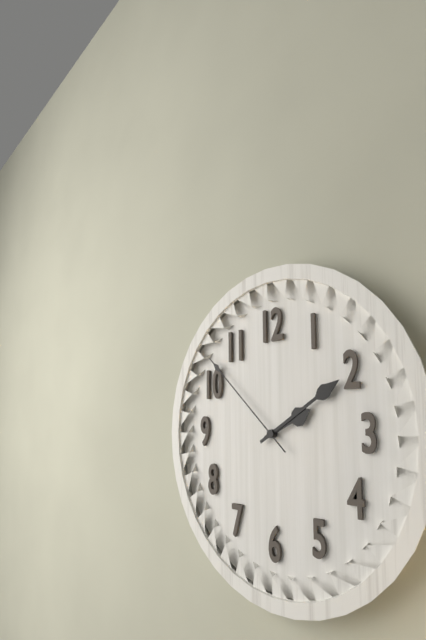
2:10:52
